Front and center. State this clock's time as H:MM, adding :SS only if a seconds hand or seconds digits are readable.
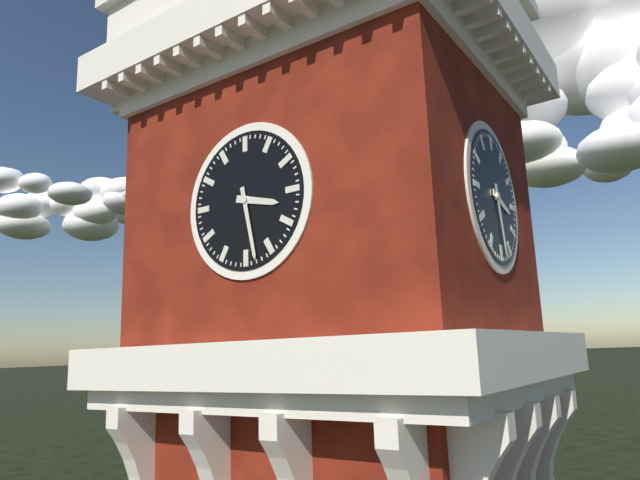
3:28
